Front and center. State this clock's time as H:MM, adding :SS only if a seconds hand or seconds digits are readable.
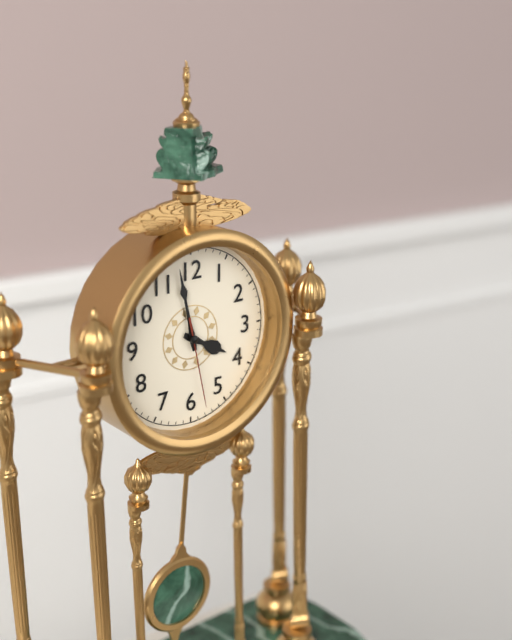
3:58:28
